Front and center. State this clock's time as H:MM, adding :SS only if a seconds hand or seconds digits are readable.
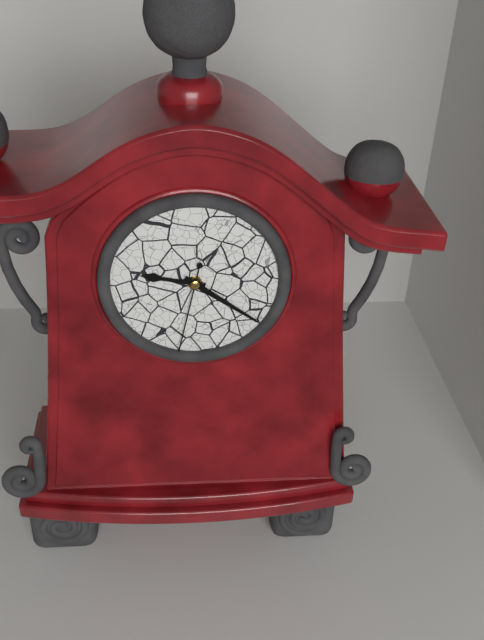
9:21:32
